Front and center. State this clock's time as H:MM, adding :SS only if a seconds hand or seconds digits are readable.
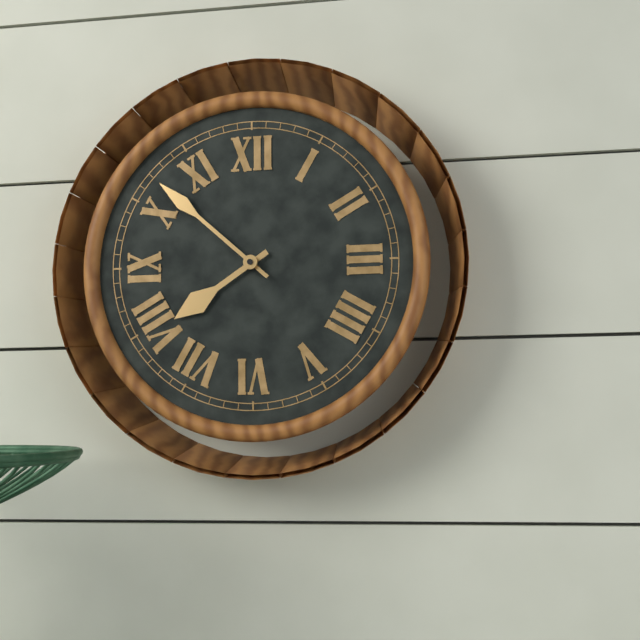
7:52
